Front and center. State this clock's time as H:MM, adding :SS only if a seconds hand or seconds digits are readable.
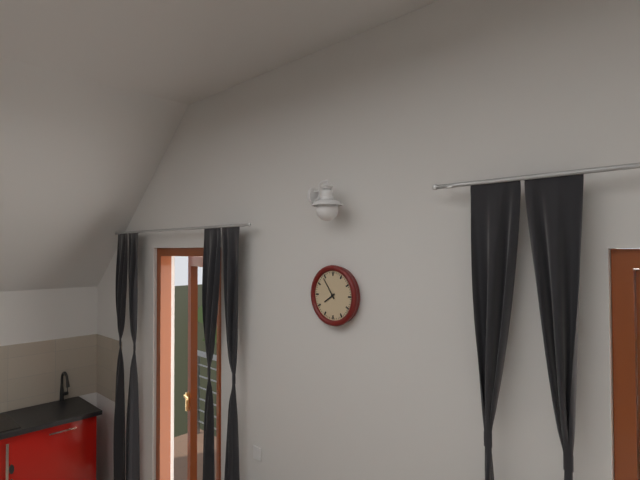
7:54
